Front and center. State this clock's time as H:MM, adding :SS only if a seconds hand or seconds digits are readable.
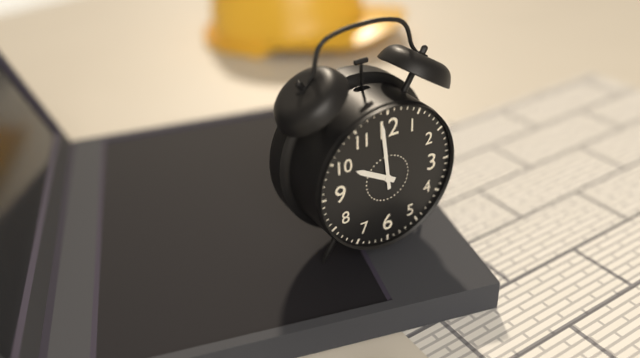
9:59
